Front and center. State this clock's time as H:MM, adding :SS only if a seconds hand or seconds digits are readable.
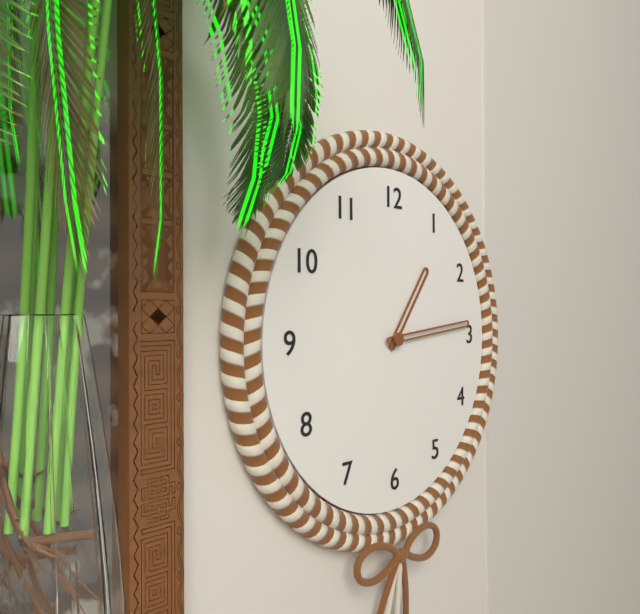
1:14
